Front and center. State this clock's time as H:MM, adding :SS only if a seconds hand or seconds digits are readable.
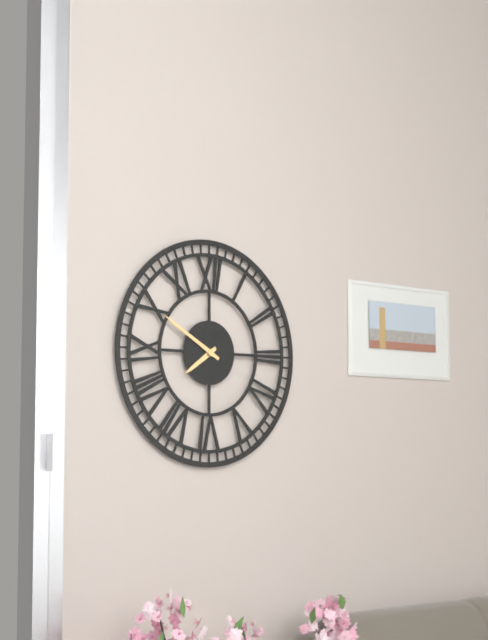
7:50
